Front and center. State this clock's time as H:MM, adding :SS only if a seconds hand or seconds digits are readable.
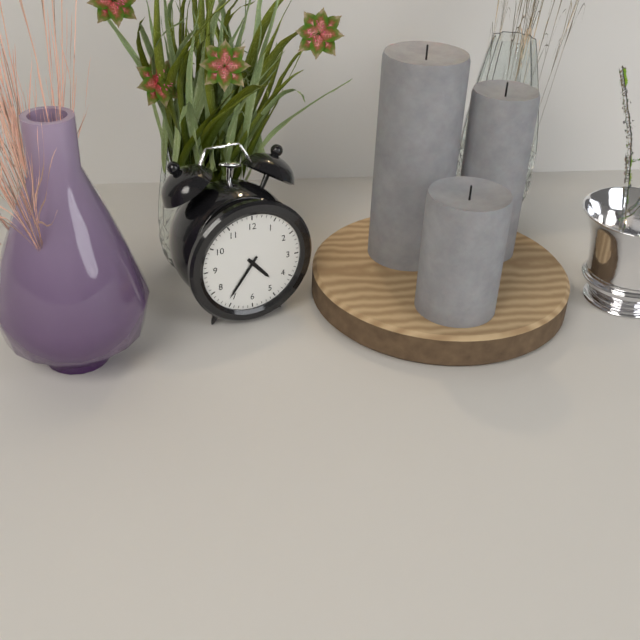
4:36
